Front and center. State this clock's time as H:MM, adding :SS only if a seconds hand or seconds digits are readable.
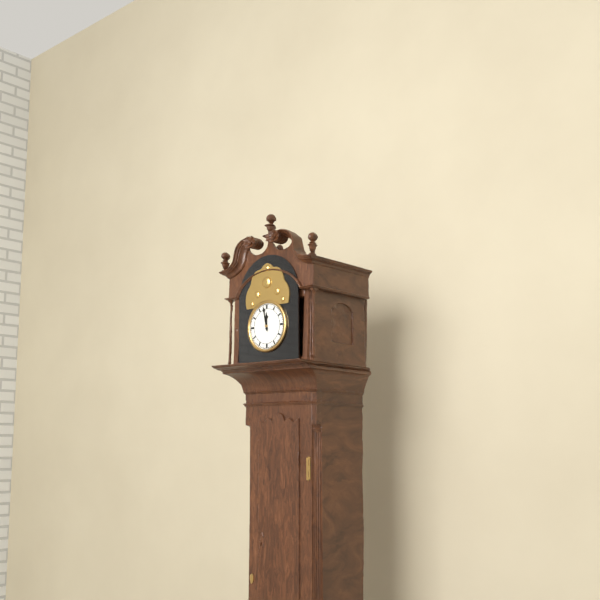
11:58
